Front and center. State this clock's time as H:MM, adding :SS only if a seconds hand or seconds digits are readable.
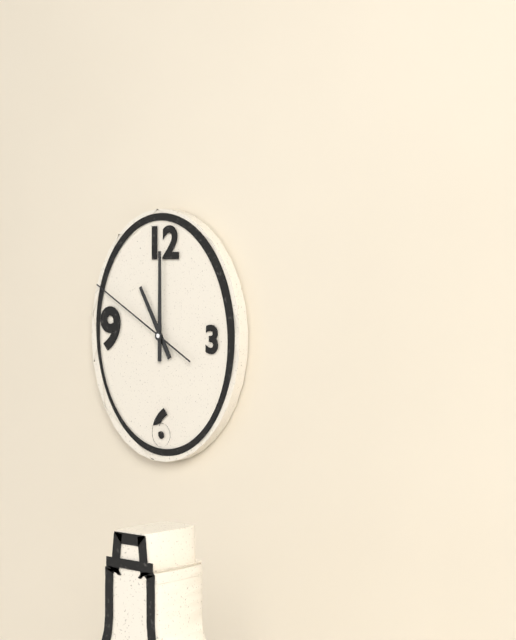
11:00:50
